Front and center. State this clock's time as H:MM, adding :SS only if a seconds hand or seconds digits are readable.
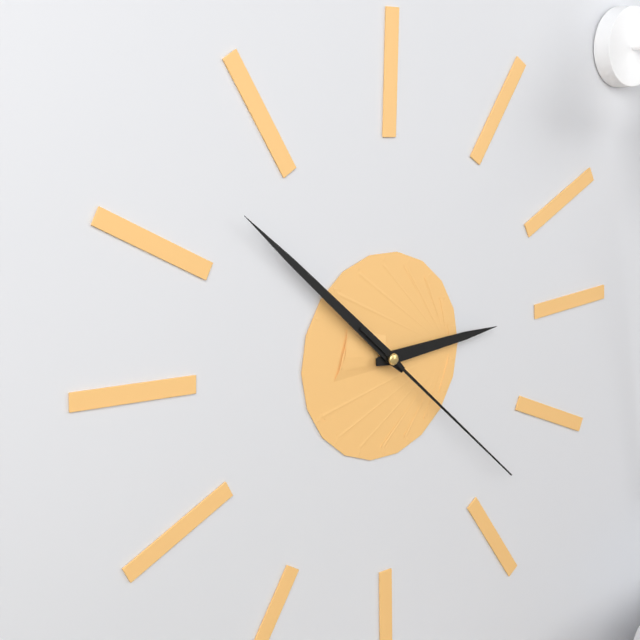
2:52:22
